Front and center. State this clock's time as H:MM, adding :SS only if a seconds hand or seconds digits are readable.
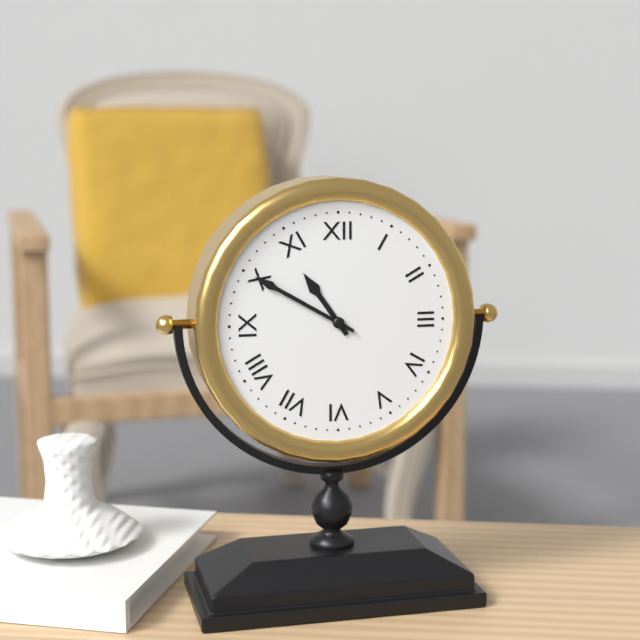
10:50
